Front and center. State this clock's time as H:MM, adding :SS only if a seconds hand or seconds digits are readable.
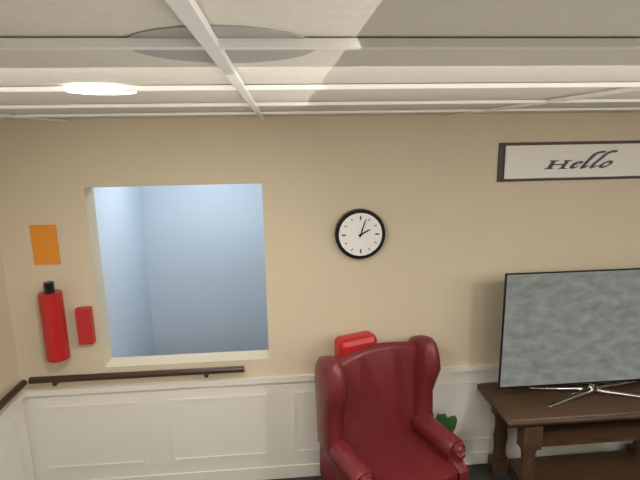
2:03
